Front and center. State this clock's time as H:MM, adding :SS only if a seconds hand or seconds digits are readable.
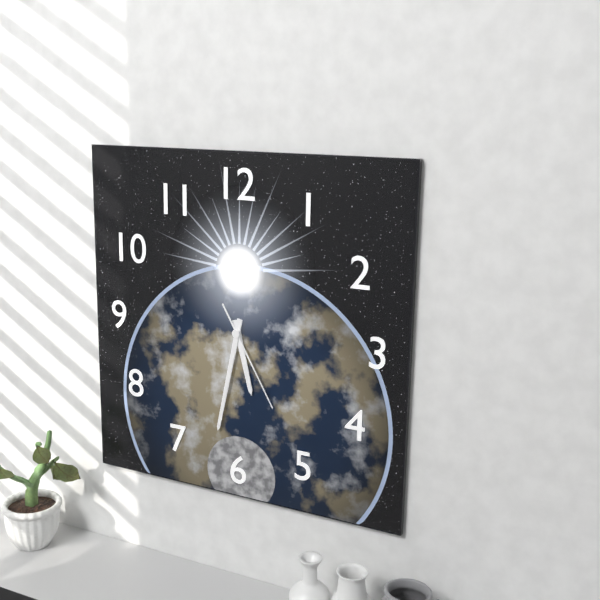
5:32:25
